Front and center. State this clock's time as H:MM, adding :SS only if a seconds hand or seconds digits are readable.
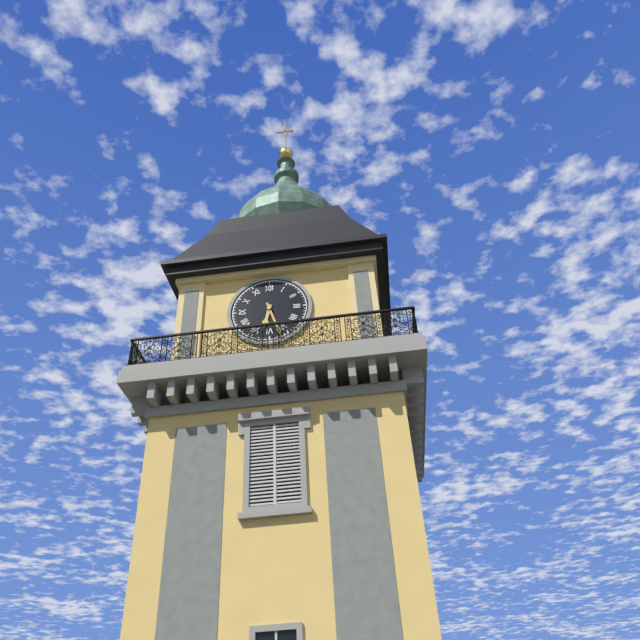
6:27
